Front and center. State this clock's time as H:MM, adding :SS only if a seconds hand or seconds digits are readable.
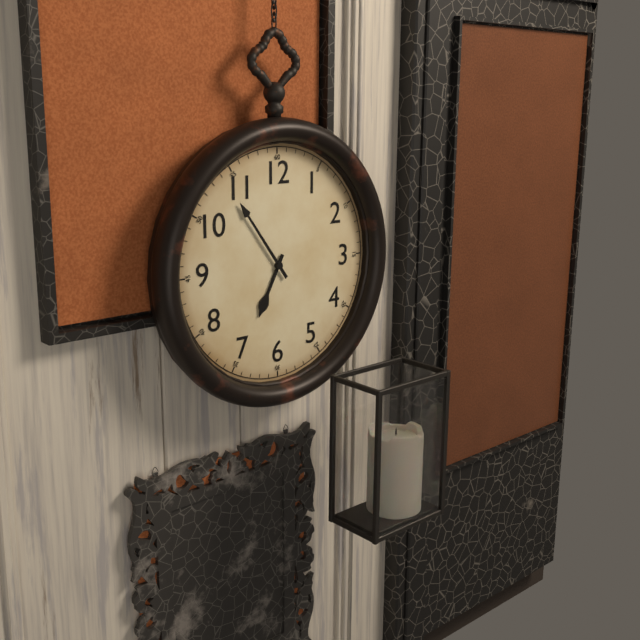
6:54
